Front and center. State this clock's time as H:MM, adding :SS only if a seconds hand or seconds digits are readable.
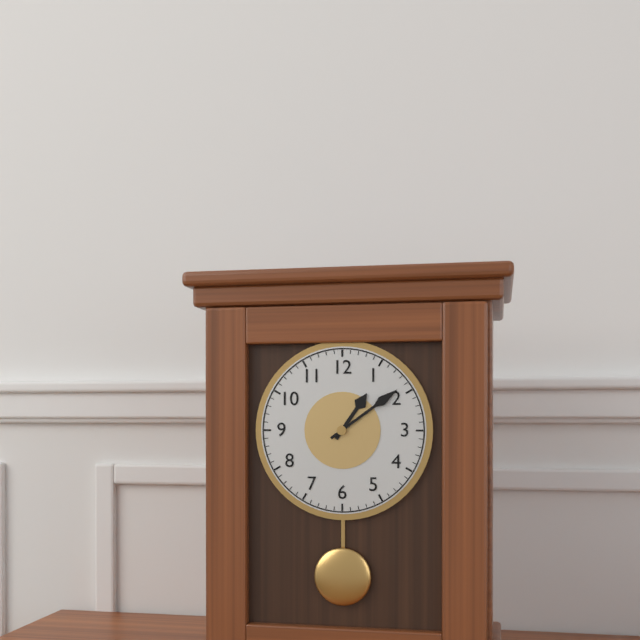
1:09
